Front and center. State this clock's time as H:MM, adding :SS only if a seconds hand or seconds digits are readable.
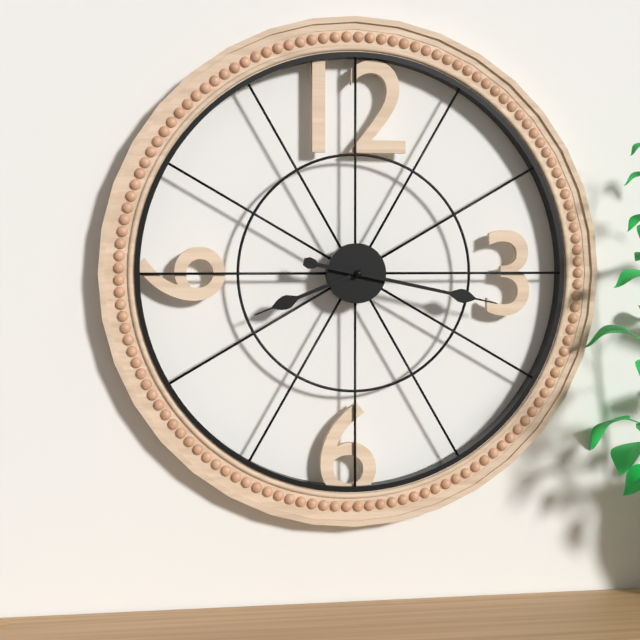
8:17
